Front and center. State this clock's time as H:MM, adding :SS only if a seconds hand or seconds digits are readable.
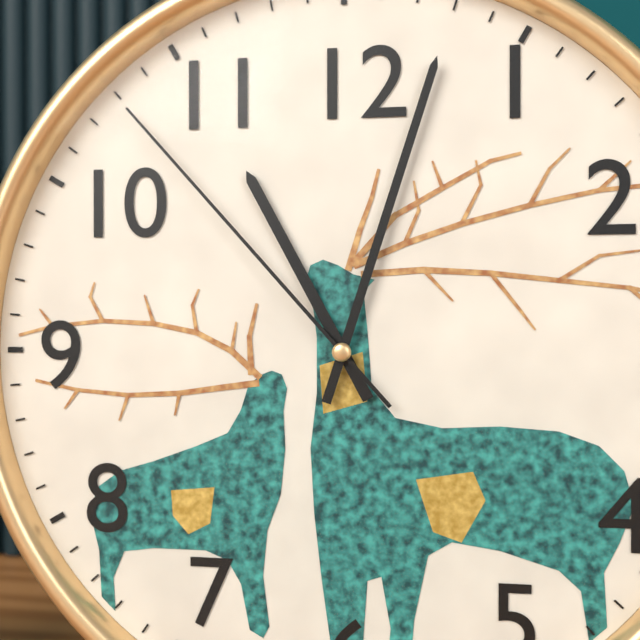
11:03:53
